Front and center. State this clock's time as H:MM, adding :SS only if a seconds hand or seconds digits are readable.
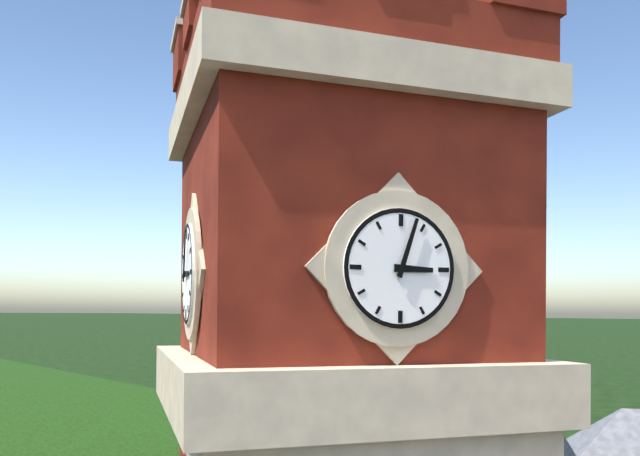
3:03
